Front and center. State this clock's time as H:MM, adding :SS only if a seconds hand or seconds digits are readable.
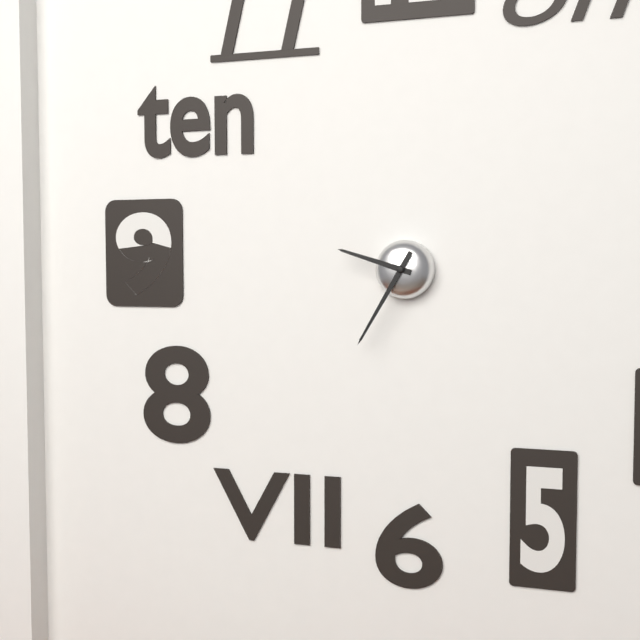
9:35
